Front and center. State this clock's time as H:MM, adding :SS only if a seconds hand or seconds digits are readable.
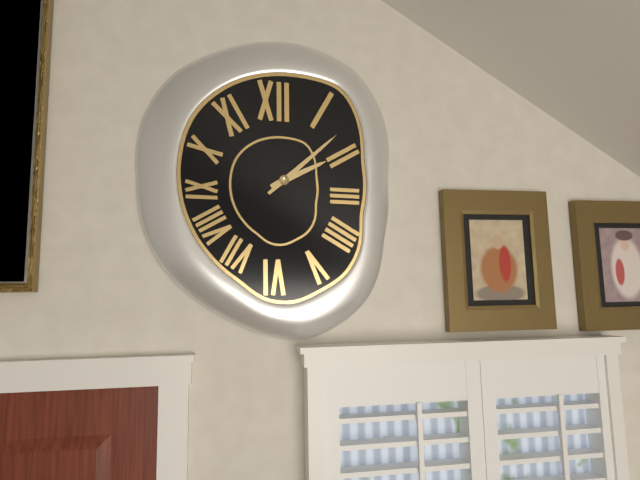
2:08
